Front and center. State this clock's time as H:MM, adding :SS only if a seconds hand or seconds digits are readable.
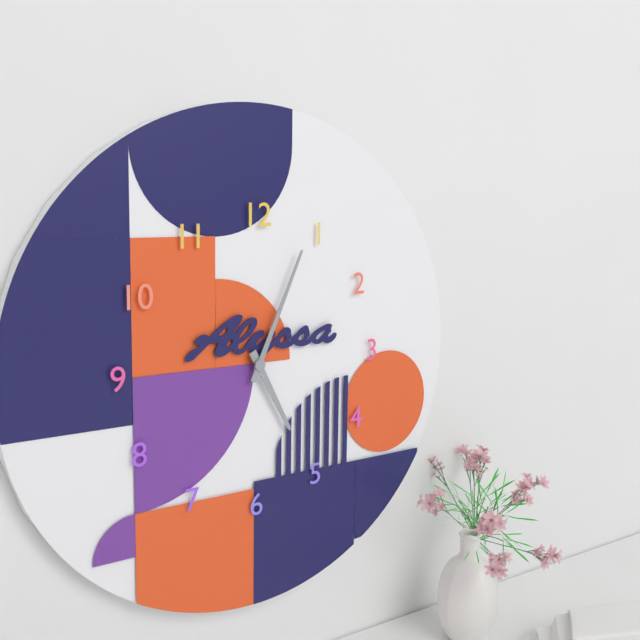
5:04
